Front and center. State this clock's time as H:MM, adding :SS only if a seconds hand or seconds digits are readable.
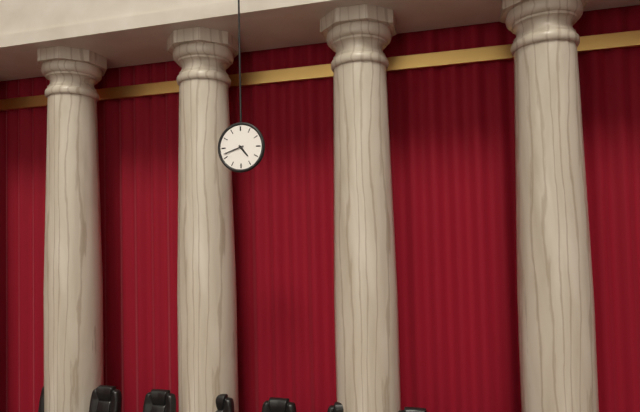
4:42
